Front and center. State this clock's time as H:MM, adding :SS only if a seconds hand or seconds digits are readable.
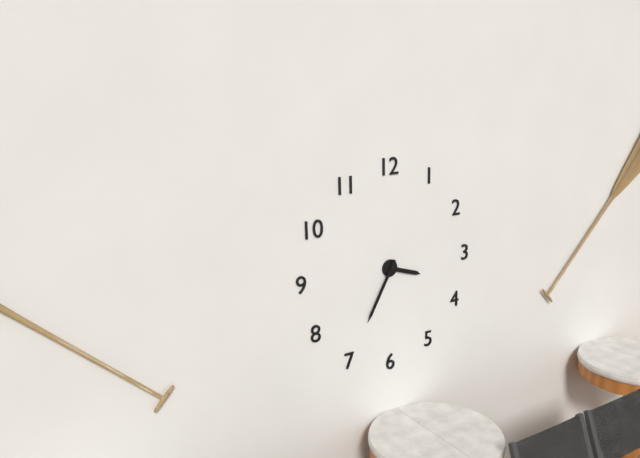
3:35
